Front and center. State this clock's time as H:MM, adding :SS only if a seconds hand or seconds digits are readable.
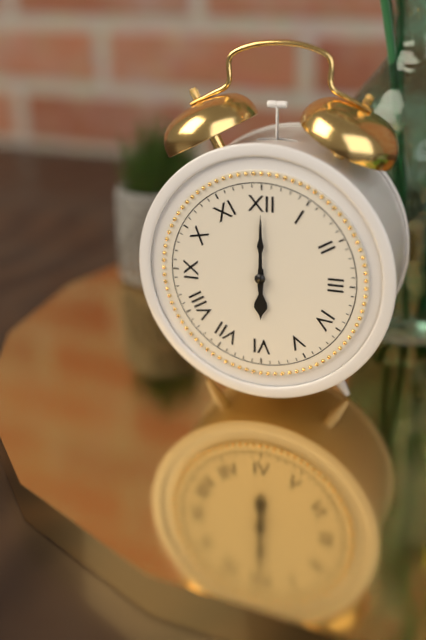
6:00
